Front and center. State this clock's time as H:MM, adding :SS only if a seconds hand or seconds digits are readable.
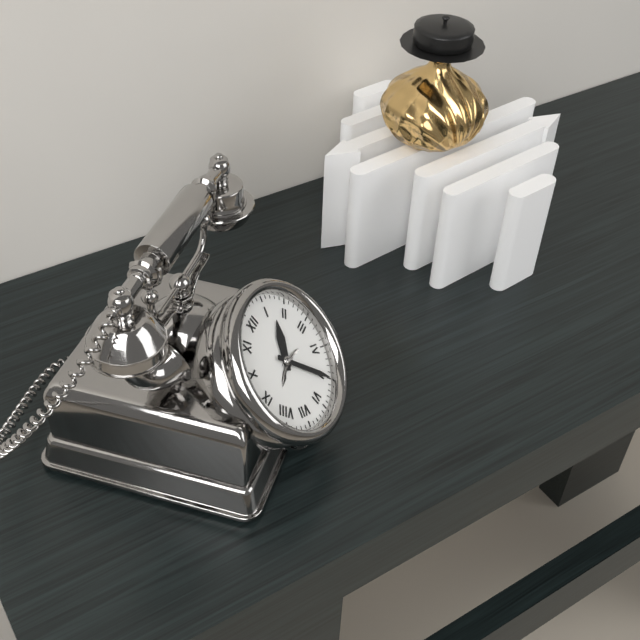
1:25
